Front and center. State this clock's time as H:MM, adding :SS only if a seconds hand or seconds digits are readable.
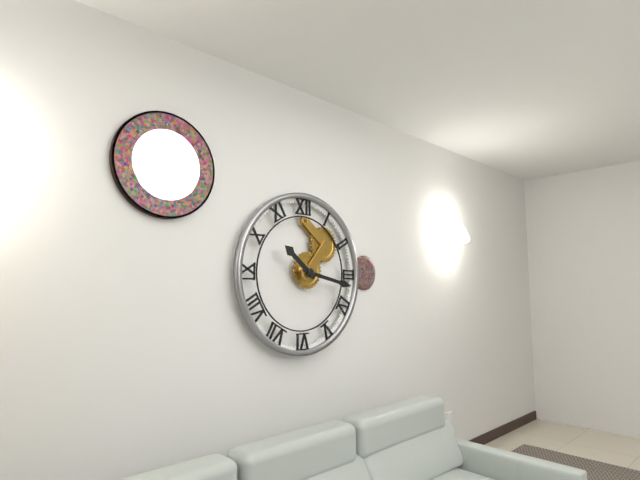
10:17
